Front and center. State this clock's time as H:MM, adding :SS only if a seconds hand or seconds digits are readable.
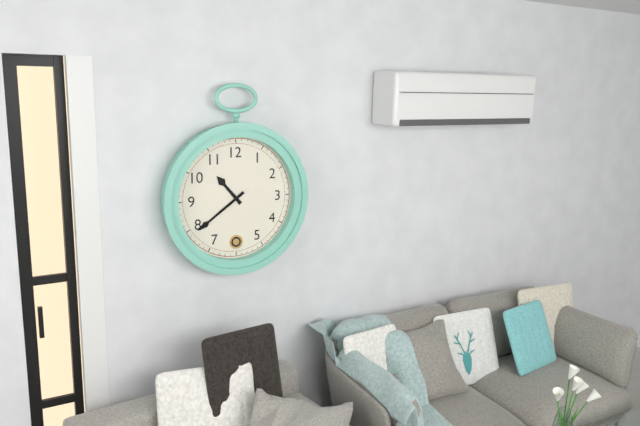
10:39
